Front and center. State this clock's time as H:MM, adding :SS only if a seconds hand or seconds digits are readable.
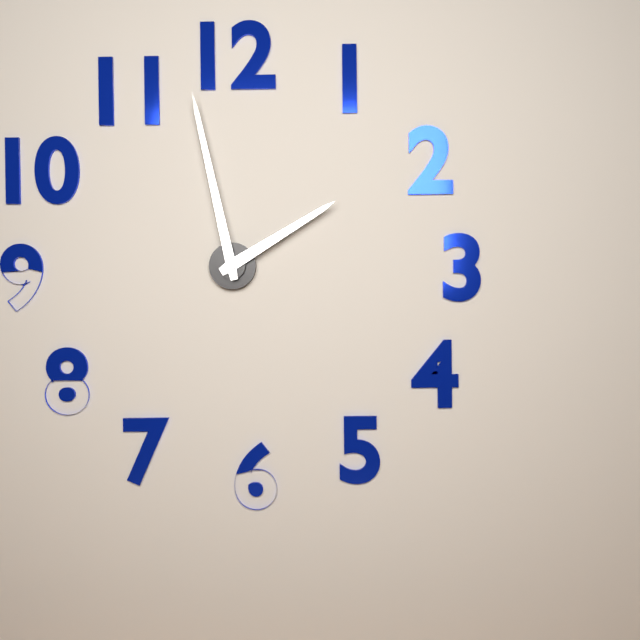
1:58
